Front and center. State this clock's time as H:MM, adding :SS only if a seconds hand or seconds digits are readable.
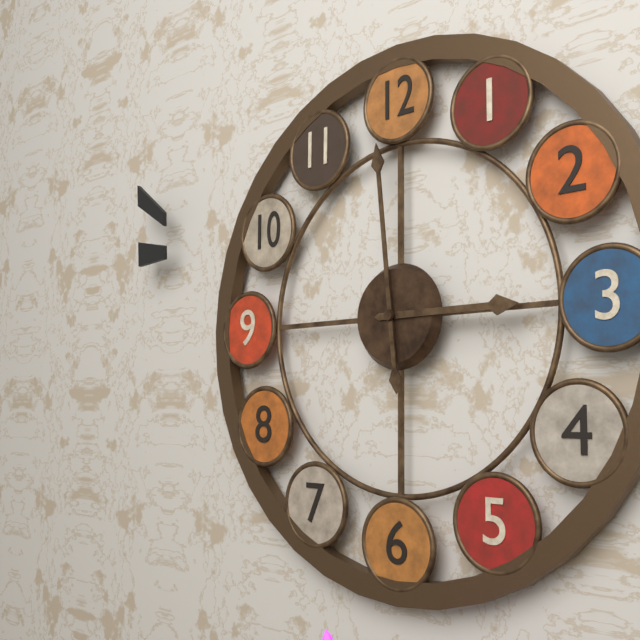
2:59
